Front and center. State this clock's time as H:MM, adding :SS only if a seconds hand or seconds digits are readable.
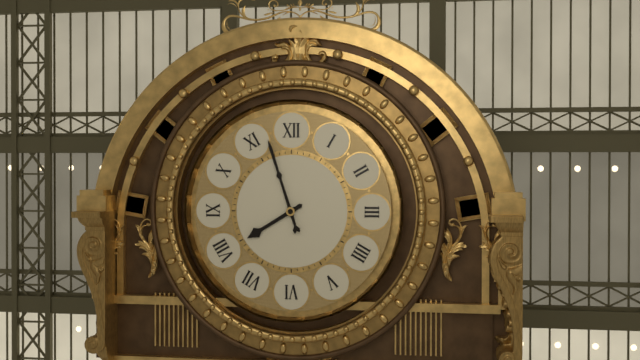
7:57
